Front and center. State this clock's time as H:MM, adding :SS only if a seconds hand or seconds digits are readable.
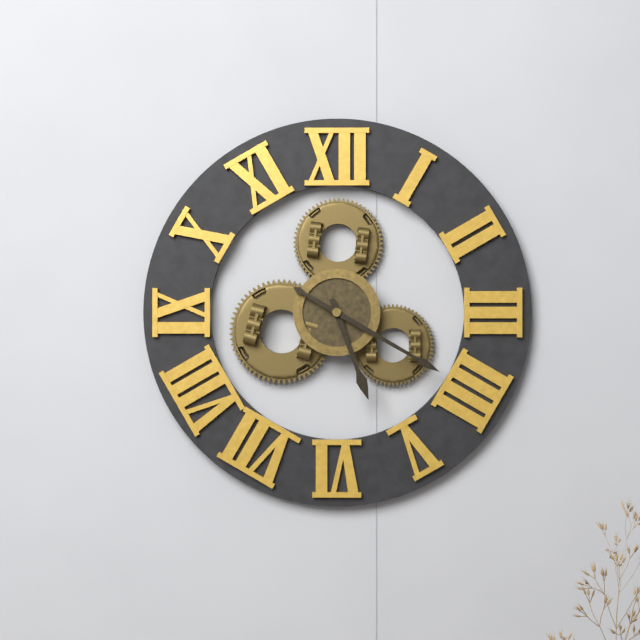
5:20
